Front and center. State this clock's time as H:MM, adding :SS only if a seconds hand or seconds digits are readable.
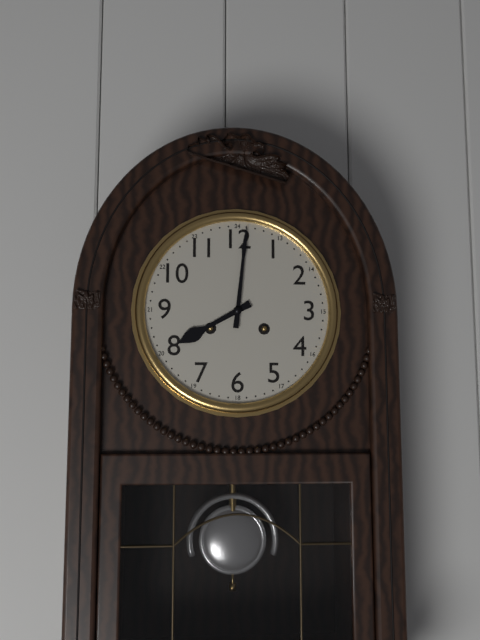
8:01
